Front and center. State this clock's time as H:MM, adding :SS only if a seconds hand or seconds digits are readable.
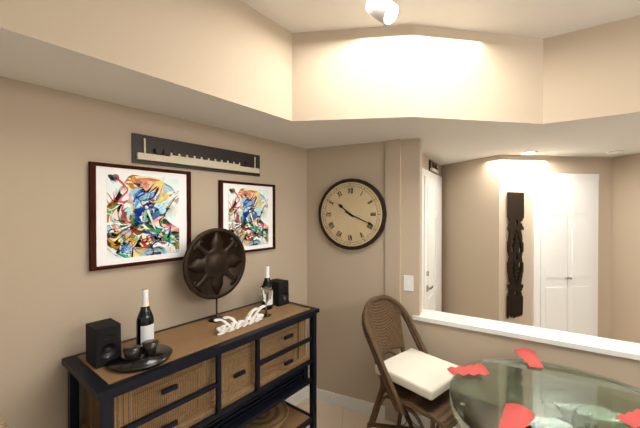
10:19
